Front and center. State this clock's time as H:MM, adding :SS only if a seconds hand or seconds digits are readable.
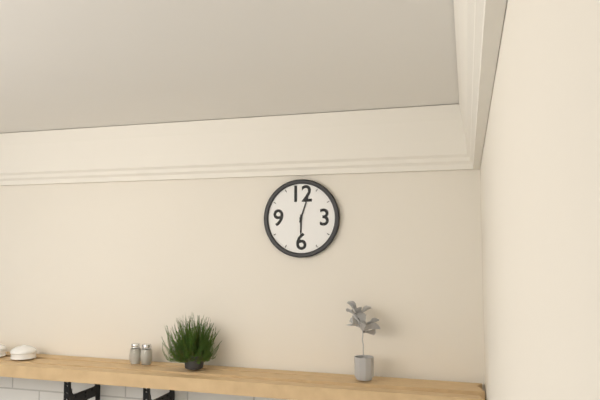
6:03
